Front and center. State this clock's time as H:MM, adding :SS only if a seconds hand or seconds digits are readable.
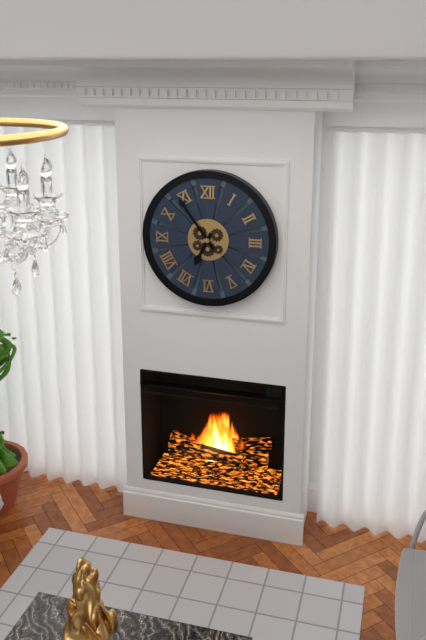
6:54
